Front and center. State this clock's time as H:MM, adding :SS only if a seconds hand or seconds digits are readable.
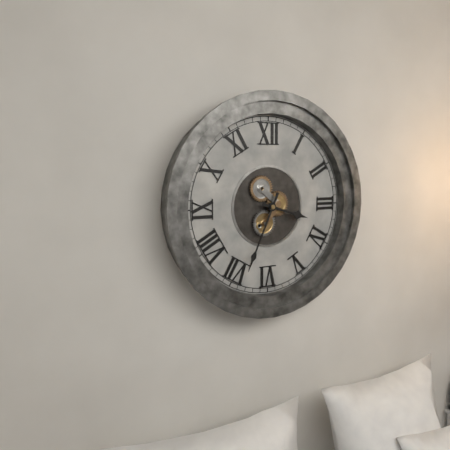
3:34
